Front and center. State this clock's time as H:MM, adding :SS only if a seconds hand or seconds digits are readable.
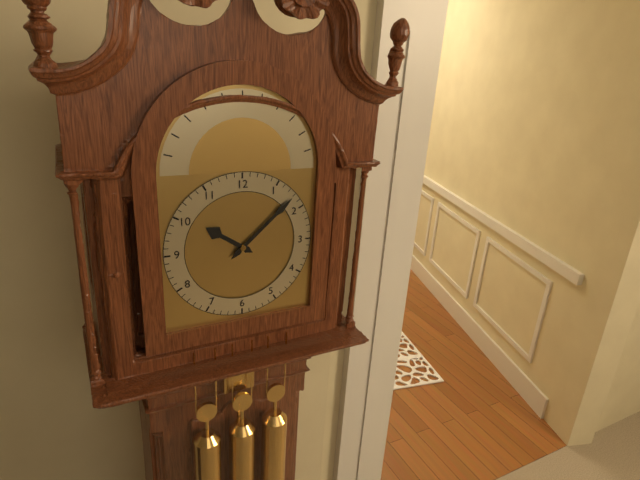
10:08
